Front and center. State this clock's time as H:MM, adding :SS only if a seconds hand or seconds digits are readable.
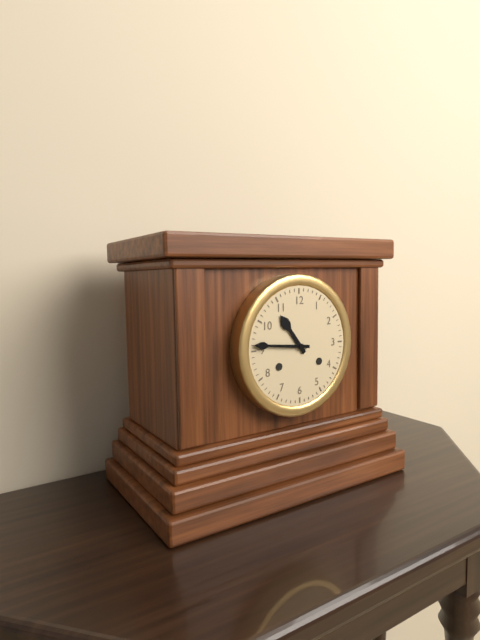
10:46
